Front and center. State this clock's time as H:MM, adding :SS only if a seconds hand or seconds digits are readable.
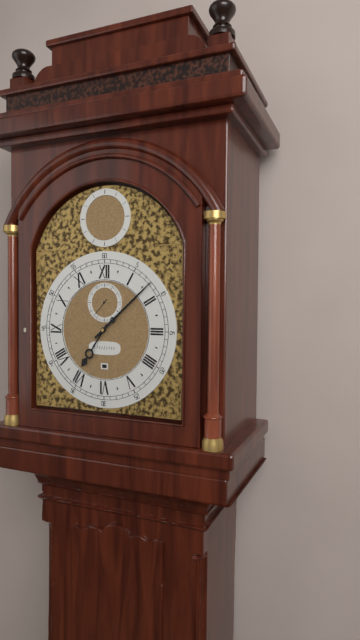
7:08
